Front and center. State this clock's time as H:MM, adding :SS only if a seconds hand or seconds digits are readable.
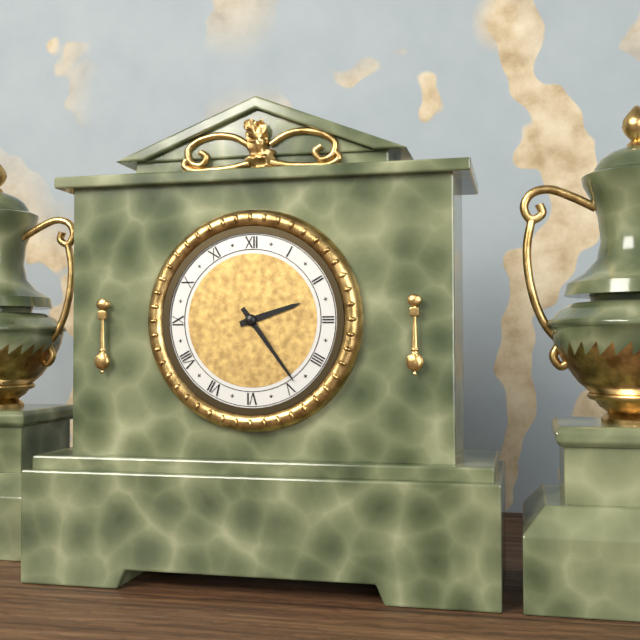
2:24
